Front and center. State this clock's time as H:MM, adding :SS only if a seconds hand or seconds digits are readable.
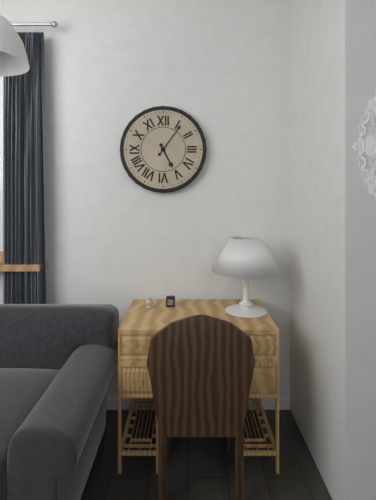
5:06
